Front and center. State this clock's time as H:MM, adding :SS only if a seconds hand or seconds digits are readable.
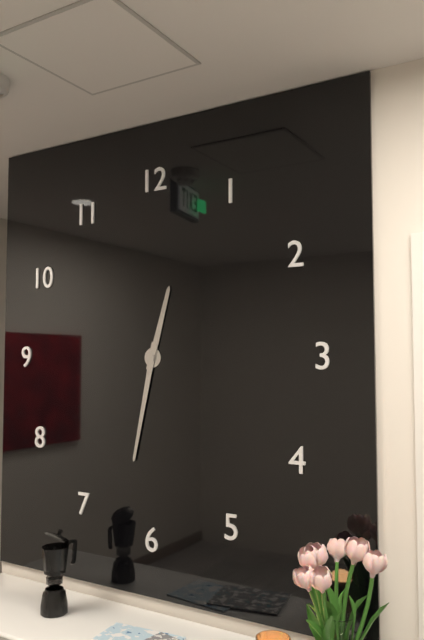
12:32
